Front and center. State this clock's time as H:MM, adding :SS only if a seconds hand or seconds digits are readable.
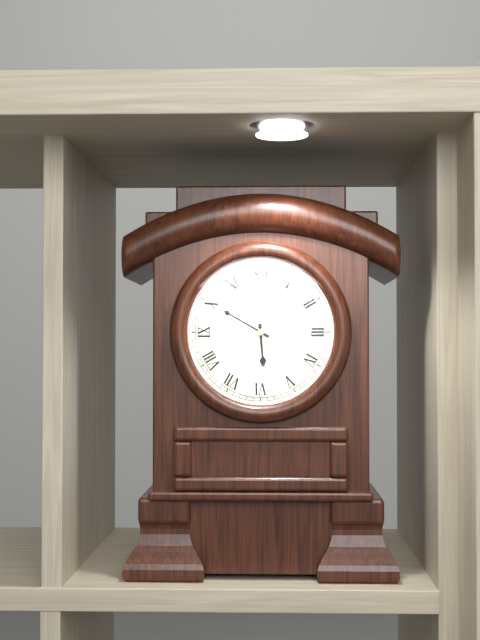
5:50
